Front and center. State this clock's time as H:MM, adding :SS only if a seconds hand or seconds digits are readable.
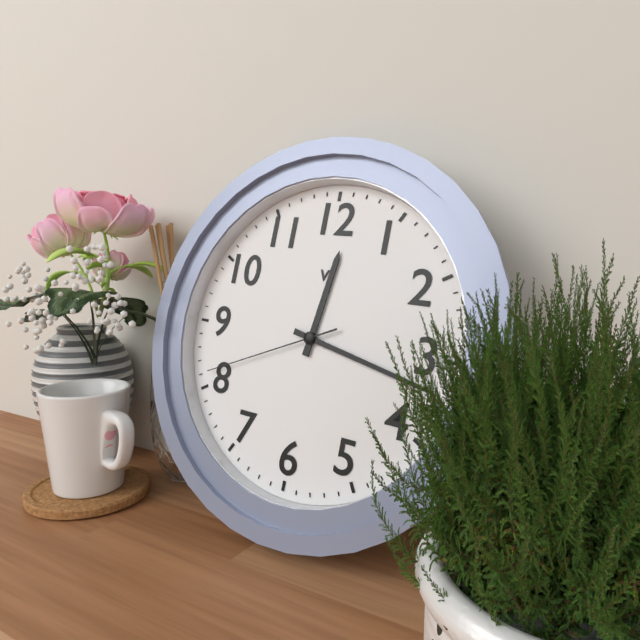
12:17:41
